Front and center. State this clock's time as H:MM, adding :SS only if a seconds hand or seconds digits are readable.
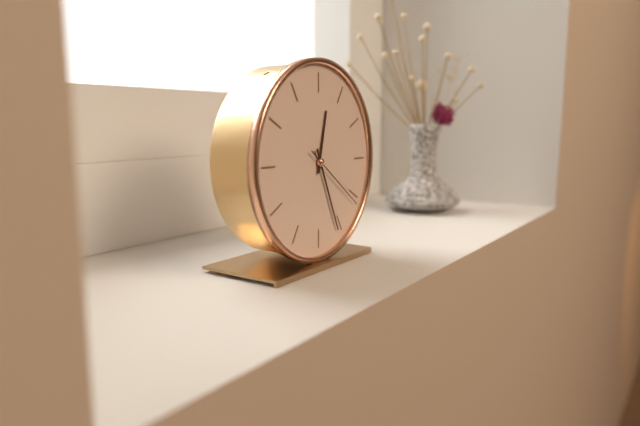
12:26:21
